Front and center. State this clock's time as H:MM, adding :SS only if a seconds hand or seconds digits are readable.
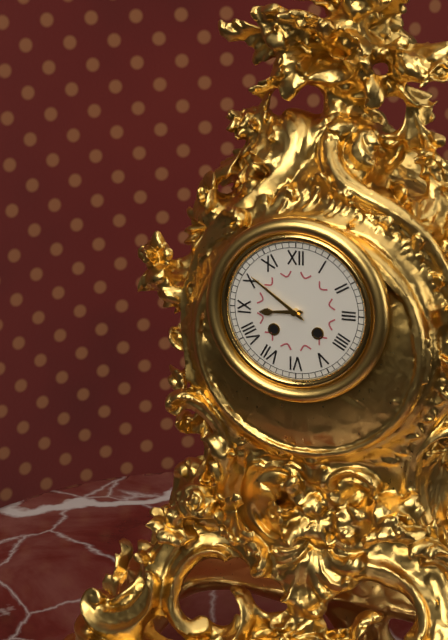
8:51
